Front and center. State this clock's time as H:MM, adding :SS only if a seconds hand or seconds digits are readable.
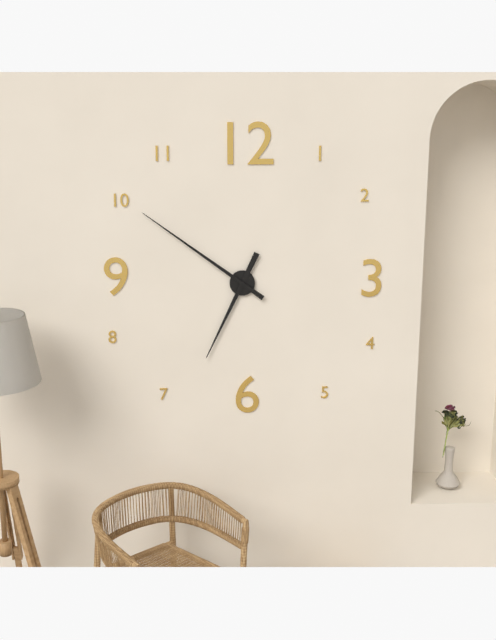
6:51
